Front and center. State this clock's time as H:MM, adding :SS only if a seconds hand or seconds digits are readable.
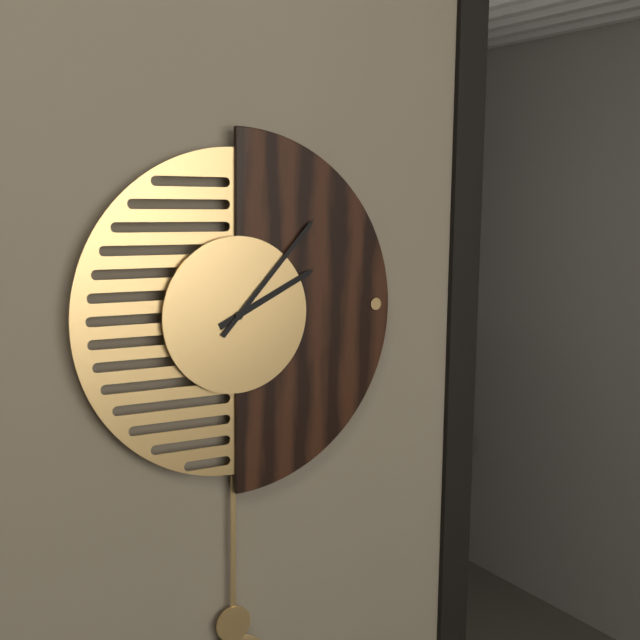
2:07
